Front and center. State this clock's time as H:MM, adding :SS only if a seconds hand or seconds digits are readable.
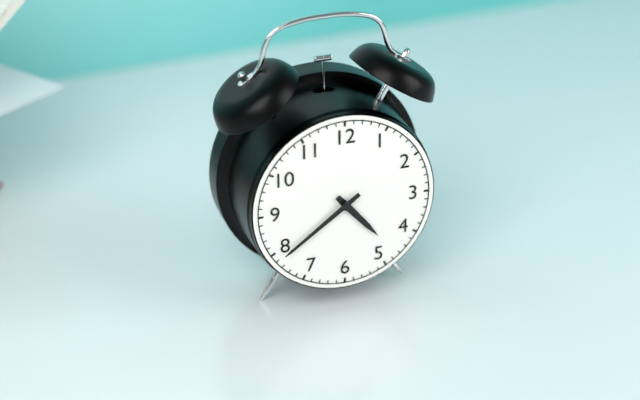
4:39
